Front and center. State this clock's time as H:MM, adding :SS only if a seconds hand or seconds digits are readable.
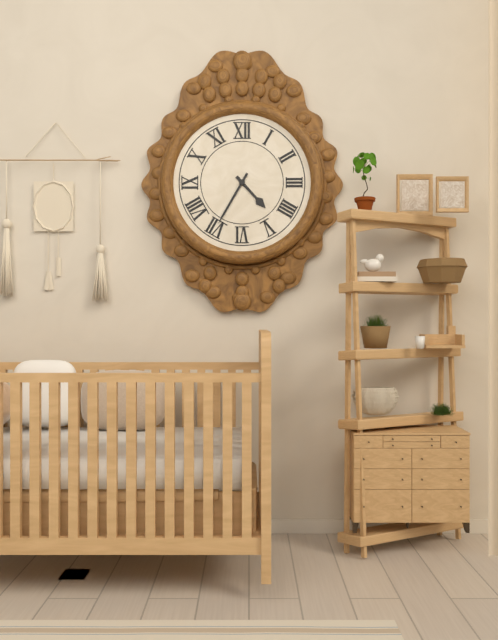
4:35
